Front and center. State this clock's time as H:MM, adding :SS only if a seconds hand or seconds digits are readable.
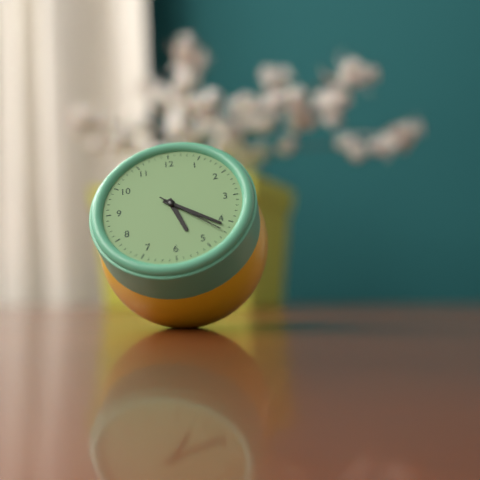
5:21:22
